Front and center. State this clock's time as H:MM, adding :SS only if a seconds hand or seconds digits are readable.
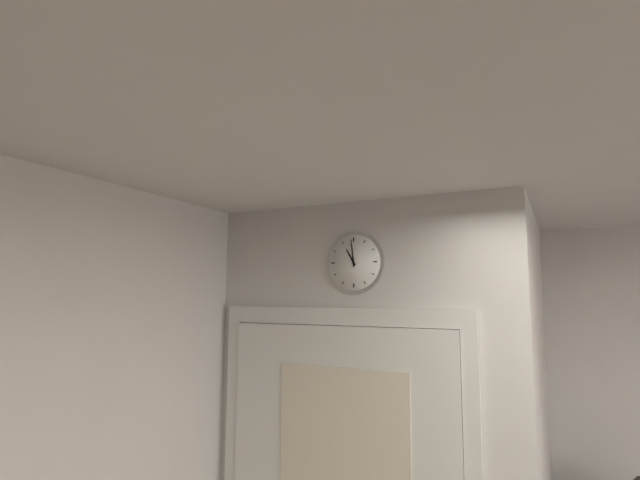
10:59
